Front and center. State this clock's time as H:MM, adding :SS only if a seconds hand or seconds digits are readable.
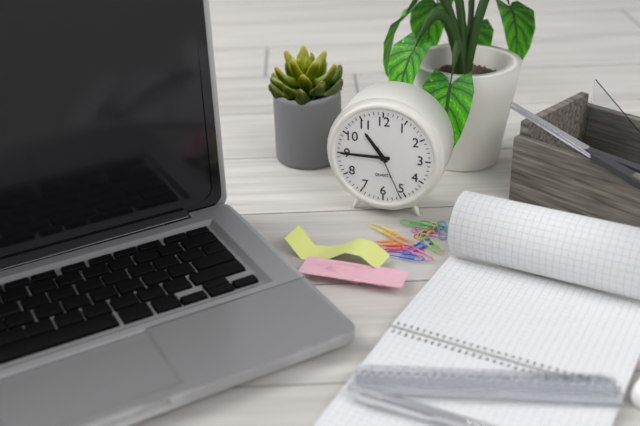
10:45:26
